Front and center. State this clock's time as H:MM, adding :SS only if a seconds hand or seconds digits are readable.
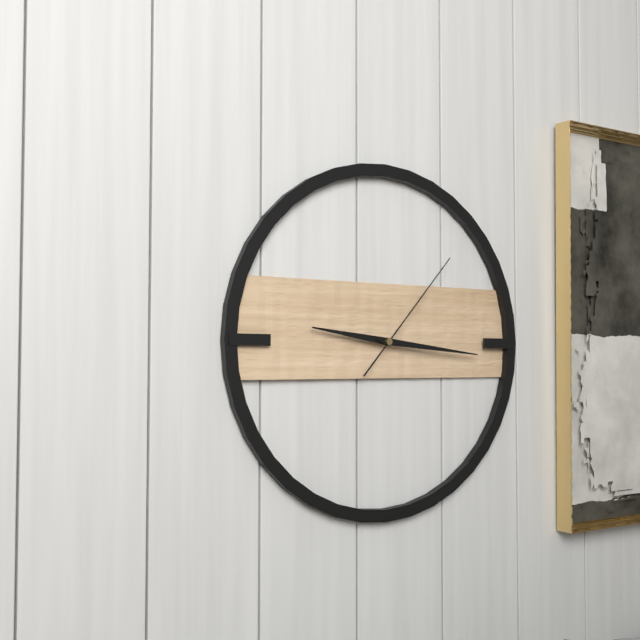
9:16:07
